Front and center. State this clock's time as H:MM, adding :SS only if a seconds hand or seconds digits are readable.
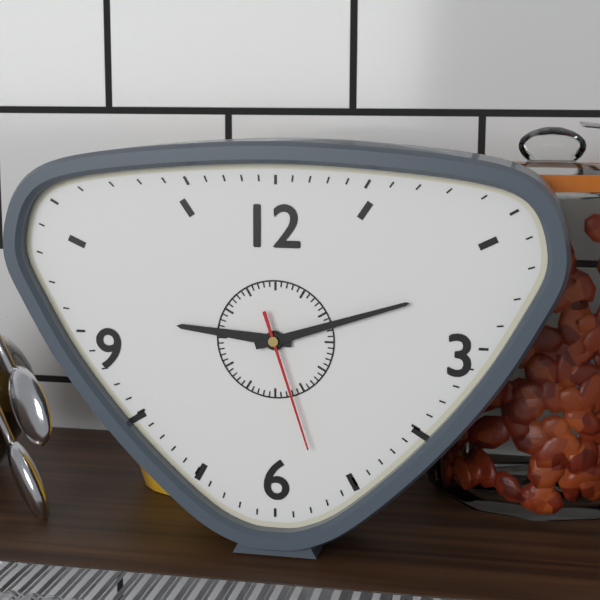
9:12:27
